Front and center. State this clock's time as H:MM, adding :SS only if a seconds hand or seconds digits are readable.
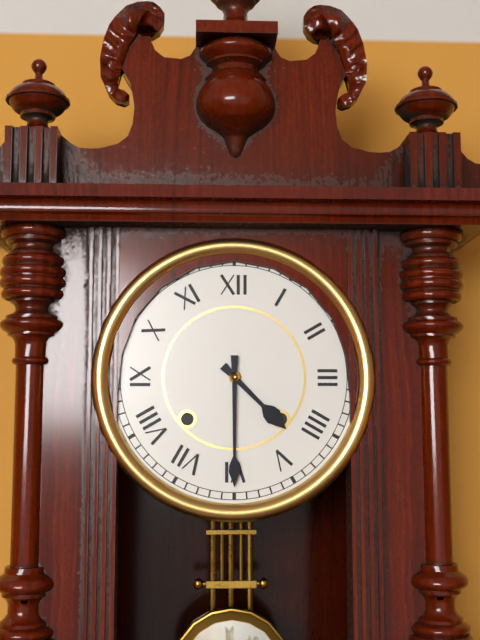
4:30
